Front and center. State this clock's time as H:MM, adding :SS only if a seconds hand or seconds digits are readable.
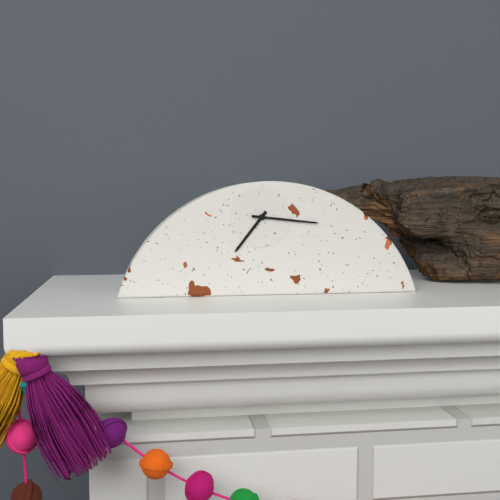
7:16
